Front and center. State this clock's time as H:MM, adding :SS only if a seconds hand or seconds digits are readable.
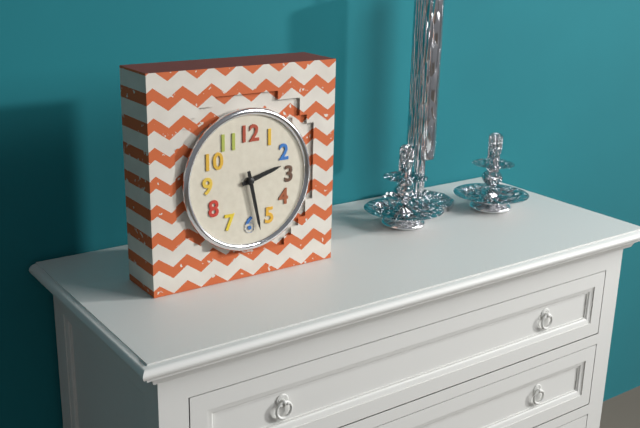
2:28
